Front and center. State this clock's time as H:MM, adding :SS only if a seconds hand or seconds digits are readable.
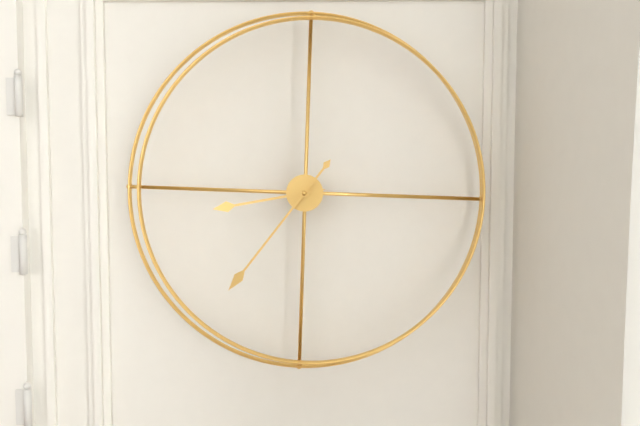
8:36
